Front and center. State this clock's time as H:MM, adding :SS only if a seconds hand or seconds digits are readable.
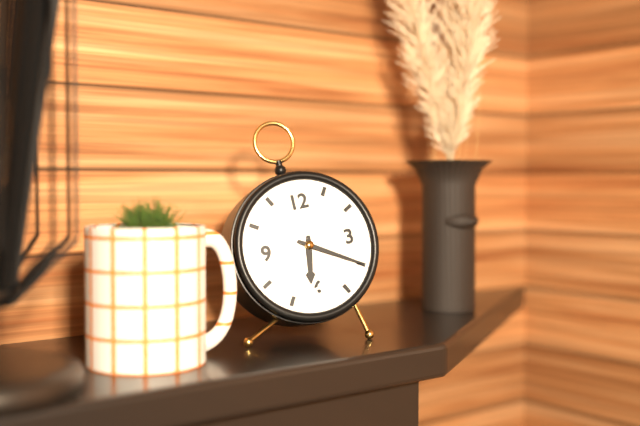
6:20
